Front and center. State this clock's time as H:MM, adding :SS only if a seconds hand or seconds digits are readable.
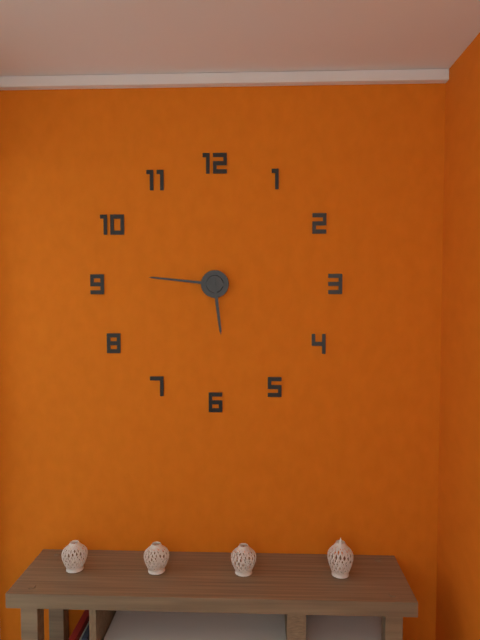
5:46
